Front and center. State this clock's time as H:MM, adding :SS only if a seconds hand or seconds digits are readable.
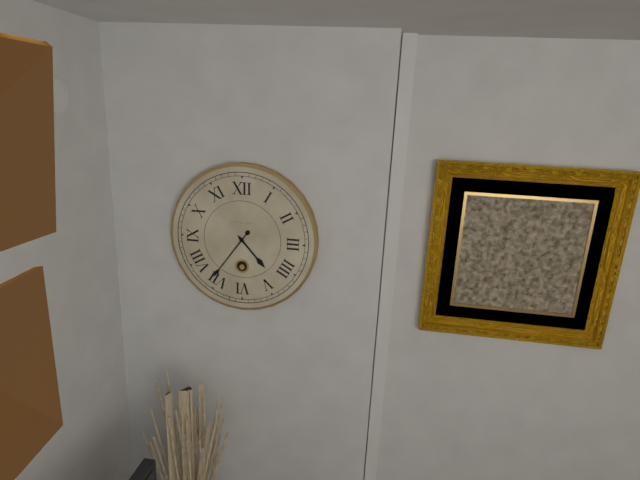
4:36
